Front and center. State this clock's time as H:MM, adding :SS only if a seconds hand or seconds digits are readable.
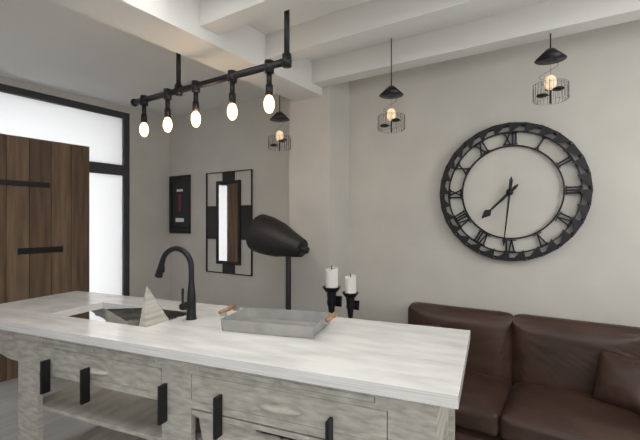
7:31
